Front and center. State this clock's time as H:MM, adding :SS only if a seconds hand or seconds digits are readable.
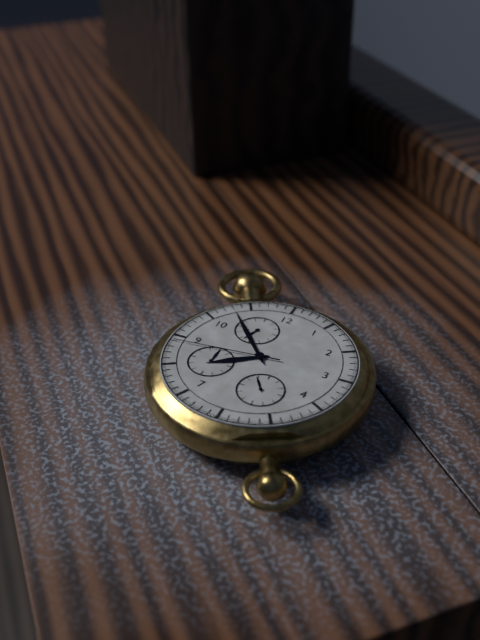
7:53:44
